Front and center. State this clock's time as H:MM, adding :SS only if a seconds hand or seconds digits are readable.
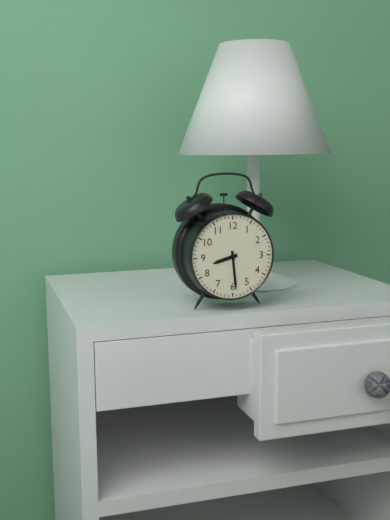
8:29
